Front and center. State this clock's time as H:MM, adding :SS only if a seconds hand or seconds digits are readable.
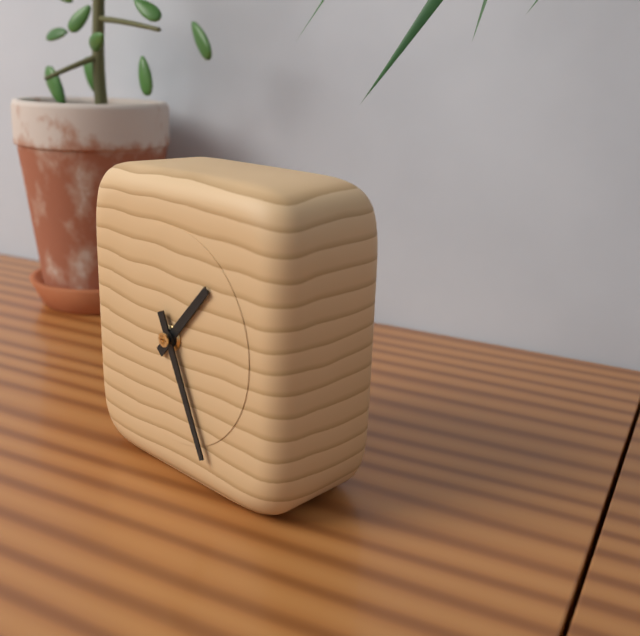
1:26
